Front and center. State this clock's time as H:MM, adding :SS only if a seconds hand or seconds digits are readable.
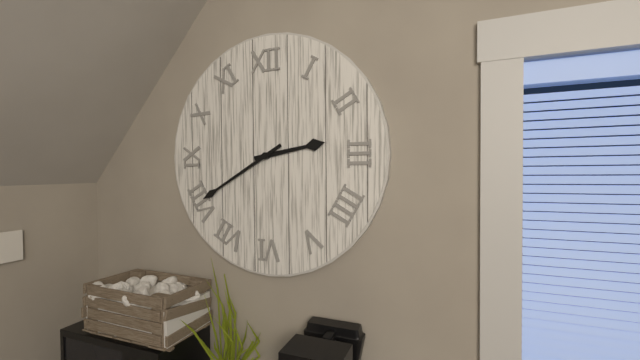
2:40
